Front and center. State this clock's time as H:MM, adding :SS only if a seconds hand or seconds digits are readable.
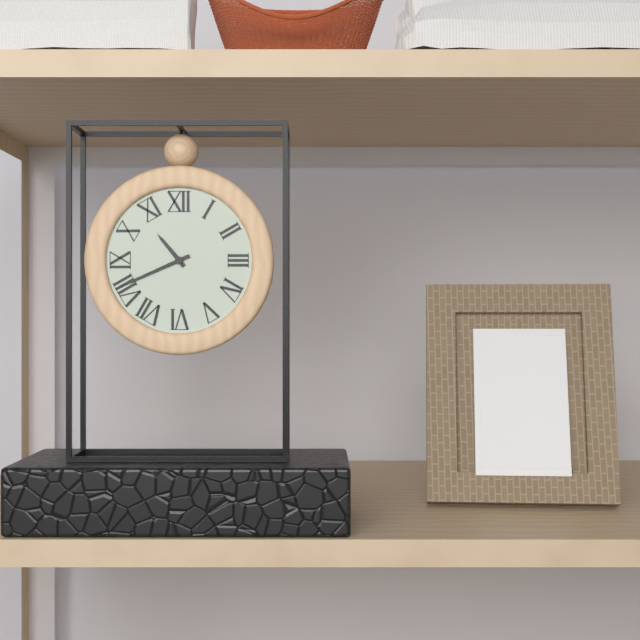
10:41
